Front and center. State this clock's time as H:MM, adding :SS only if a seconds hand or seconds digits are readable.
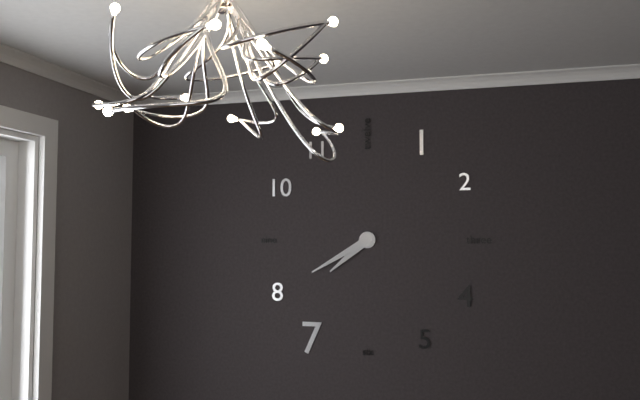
7:40
